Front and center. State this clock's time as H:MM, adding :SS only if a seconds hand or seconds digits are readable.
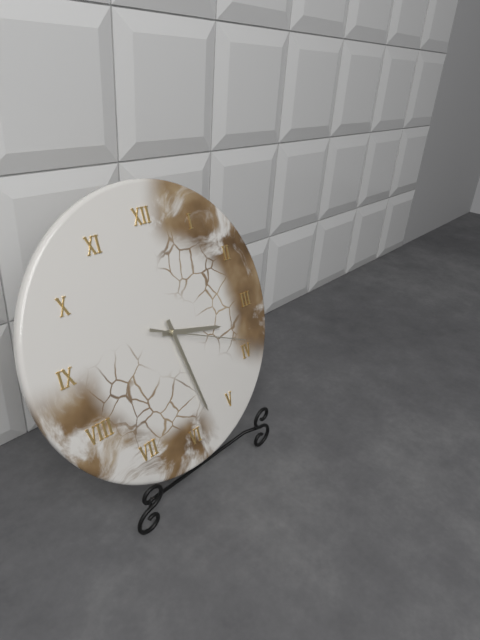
3:28:19
